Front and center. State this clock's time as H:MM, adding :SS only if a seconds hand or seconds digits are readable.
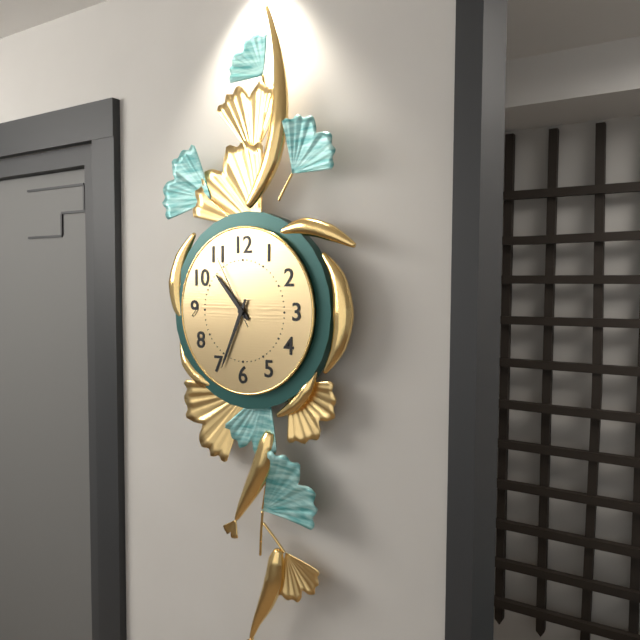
10:34:55
